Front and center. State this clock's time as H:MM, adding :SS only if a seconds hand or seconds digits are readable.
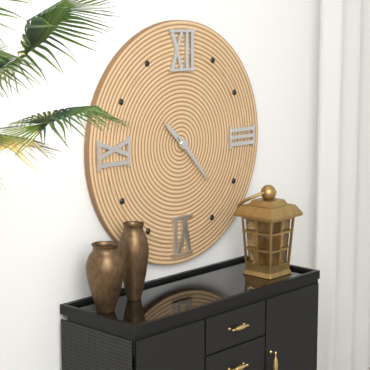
10:23
